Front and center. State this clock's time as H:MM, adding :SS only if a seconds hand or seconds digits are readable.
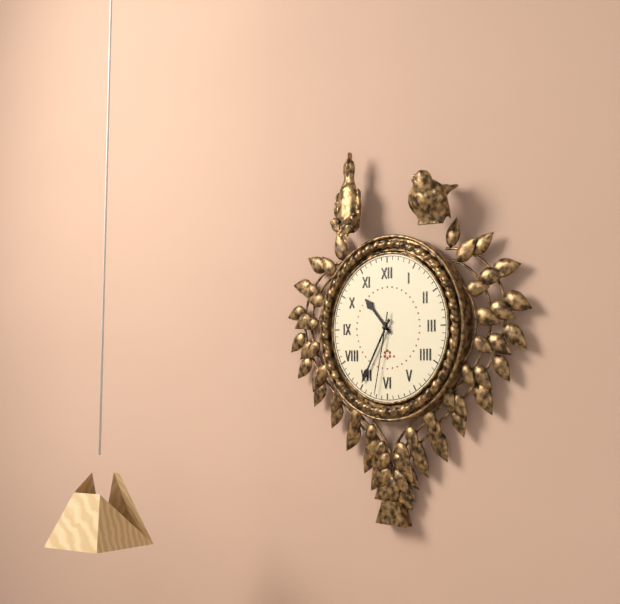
10:35:32
